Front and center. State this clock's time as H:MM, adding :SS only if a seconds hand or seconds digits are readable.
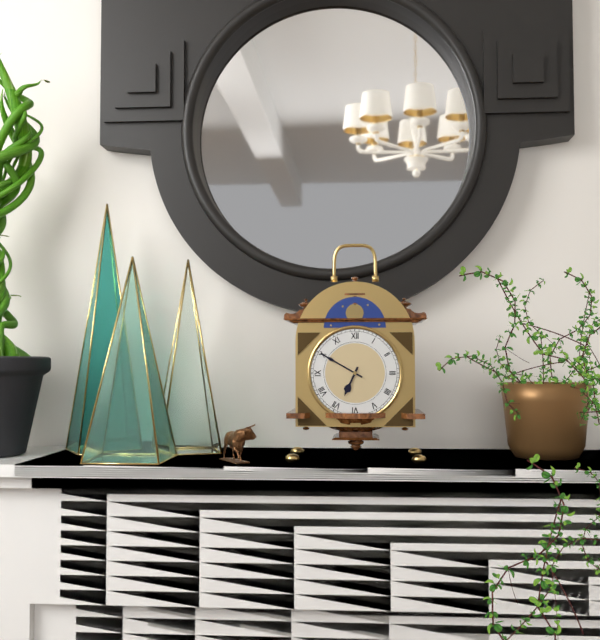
6:50
